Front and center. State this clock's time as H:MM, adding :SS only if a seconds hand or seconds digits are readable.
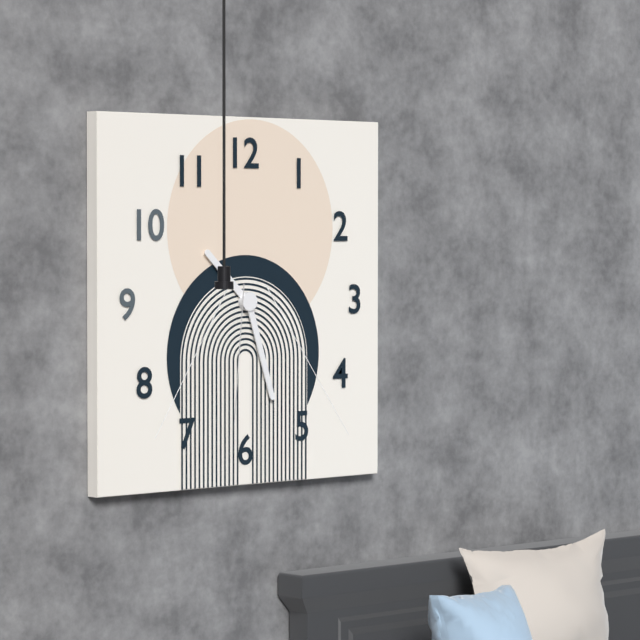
10:27
